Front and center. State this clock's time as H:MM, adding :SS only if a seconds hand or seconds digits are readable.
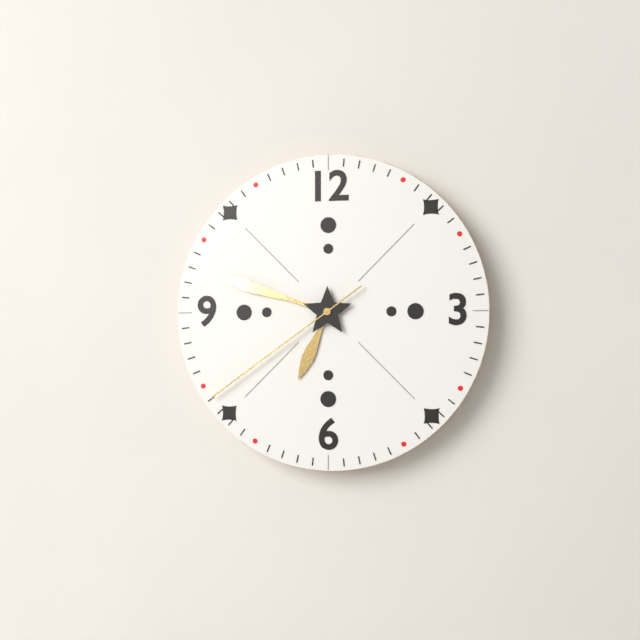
6:48:39
